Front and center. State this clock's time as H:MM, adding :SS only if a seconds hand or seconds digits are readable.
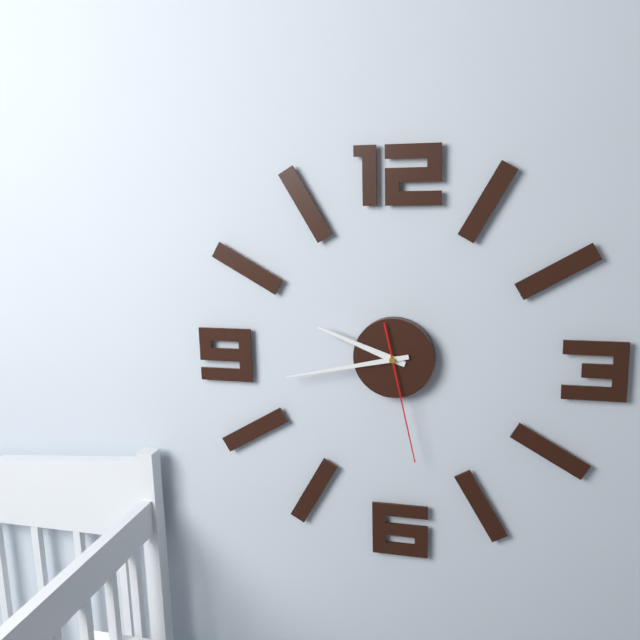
9:43:28
